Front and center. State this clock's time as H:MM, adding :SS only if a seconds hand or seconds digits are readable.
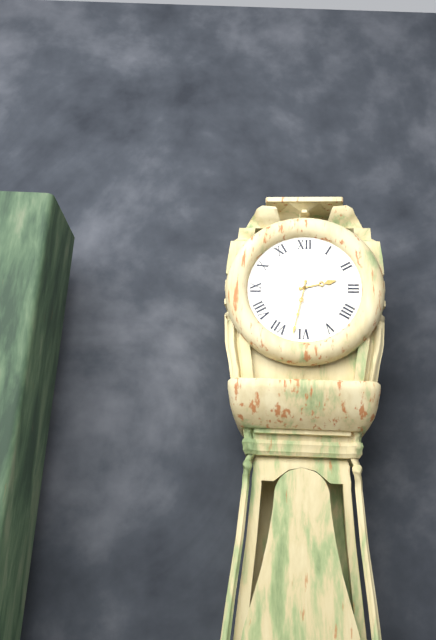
2:32
